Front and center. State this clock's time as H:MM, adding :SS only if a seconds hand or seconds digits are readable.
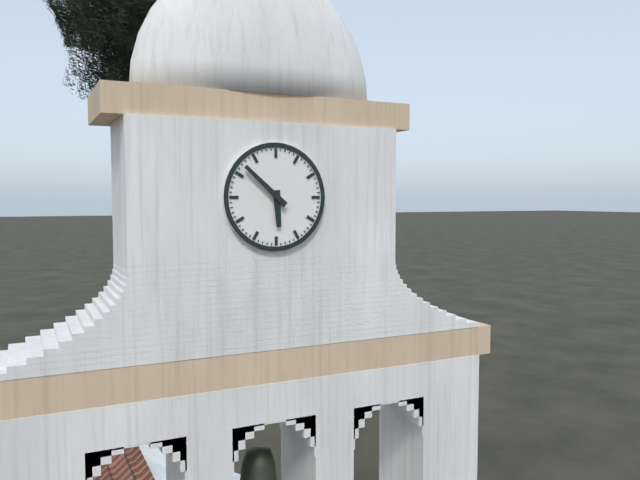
5:52
